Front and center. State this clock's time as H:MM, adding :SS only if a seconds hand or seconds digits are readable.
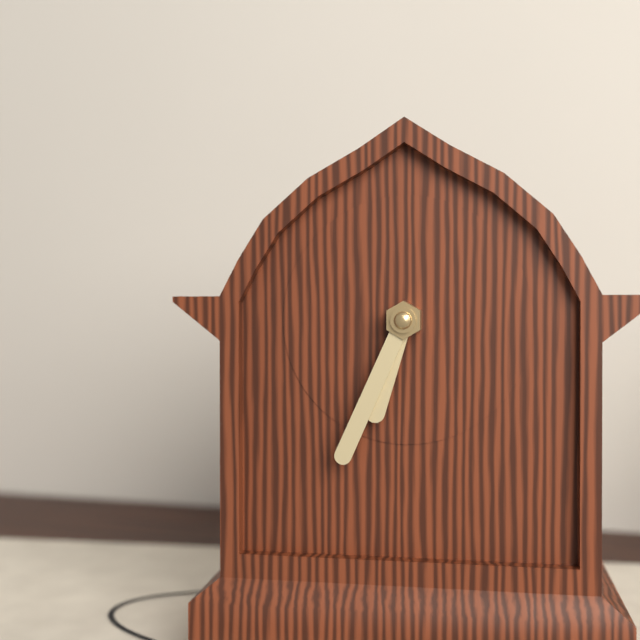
6:34
